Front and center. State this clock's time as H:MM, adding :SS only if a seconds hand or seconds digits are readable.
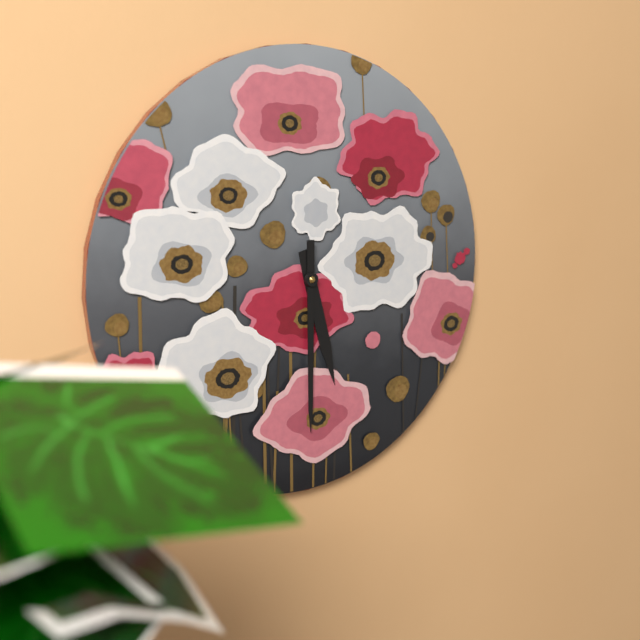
5:30
